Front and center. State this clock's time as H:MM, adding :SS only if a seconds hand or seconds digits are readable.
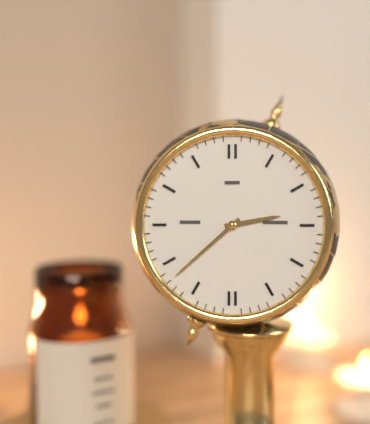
2:38
